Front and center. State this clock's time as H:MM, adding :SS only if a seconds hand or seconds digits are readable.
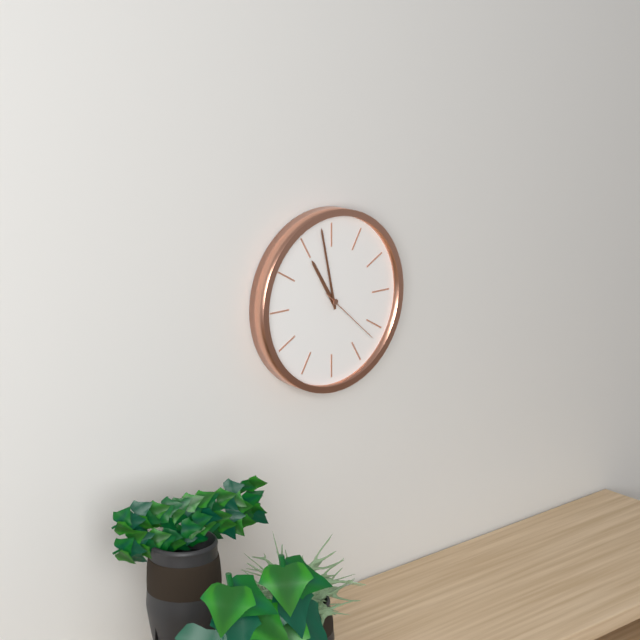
10:58:22
